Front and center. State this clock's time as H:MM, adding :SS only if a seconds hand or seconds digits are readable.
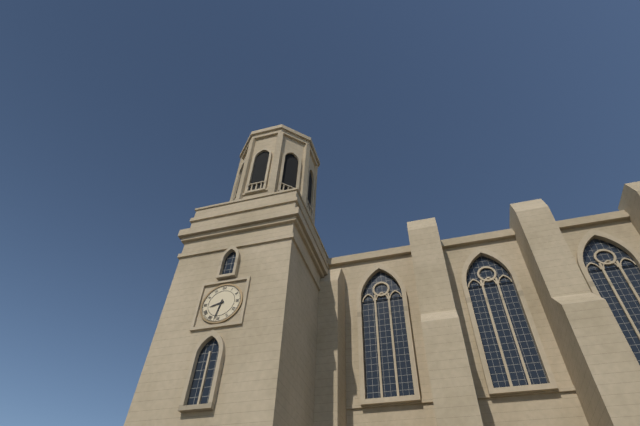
8:32
